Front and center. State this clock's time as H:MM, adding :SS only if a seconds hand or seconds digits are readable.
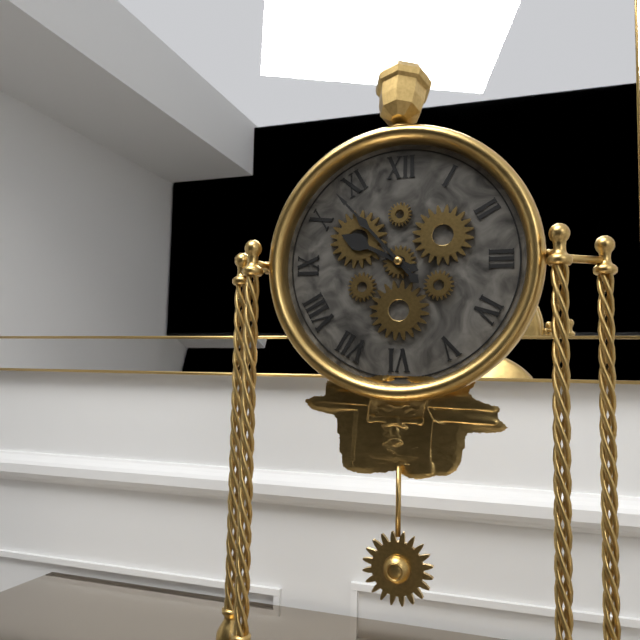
9:53
